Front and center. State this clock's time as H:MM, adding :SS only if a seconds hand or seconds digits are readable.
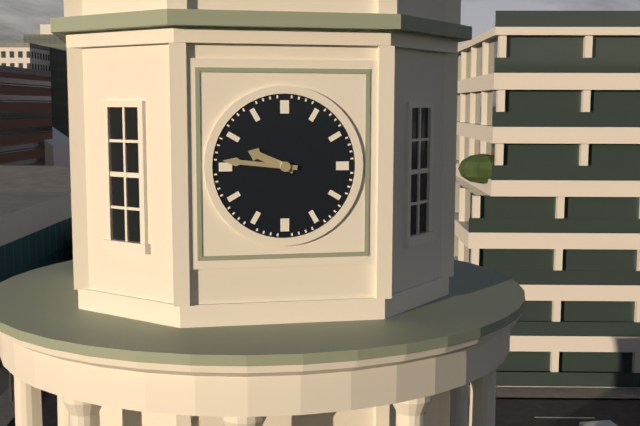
9:46
